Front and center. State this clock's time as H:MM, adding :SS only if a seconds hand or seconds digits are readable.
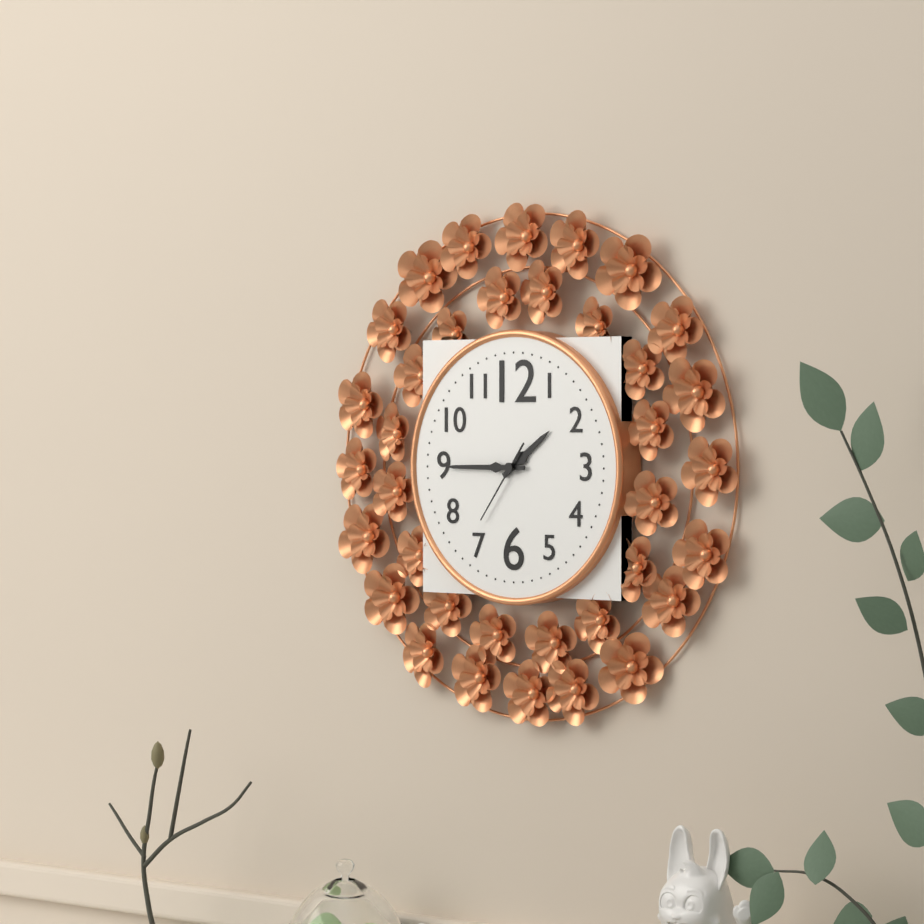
1:45:36
